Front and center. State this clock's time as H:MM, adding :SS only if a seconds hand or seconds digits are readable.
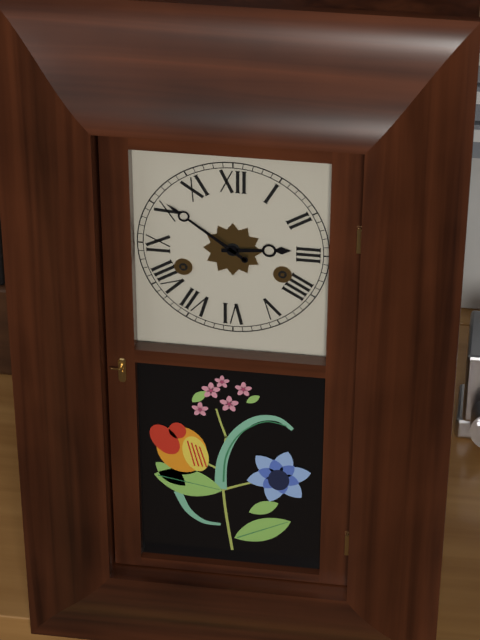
2:51
